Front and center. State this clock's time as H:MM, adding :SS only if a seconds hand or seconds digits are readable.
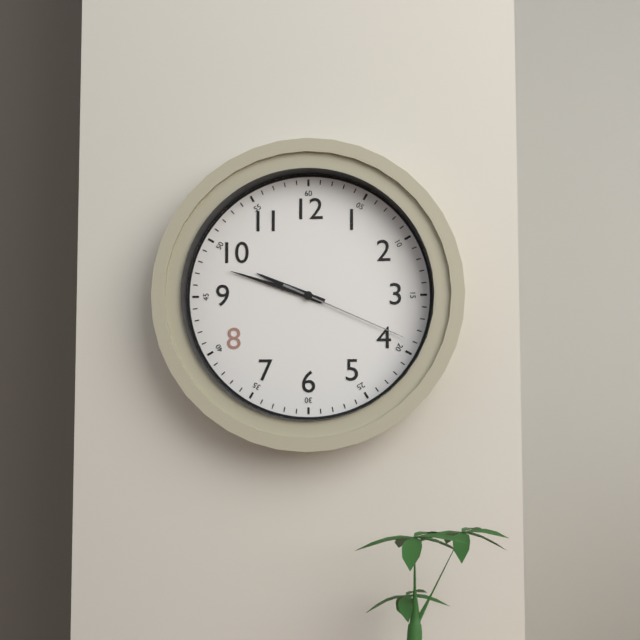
9:48:19
